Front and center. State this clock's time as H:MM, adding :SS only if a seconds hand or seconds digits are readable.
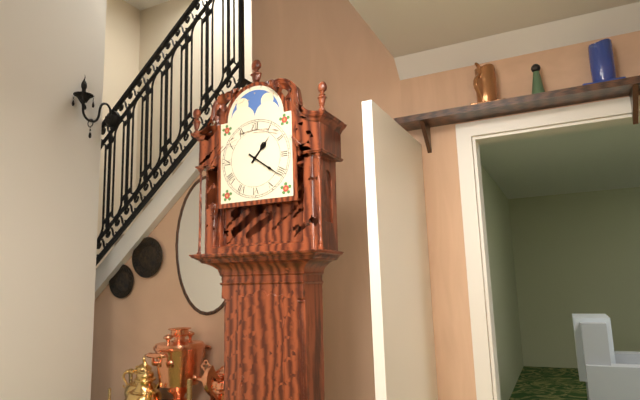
1:21
